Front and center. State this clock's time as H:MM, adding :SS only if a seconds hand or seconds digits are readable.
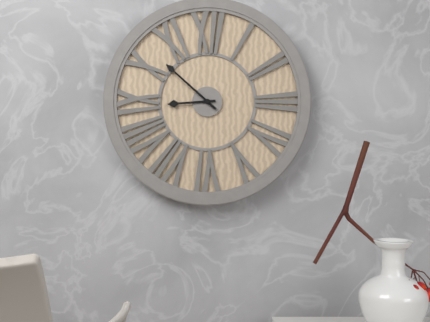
8:52
